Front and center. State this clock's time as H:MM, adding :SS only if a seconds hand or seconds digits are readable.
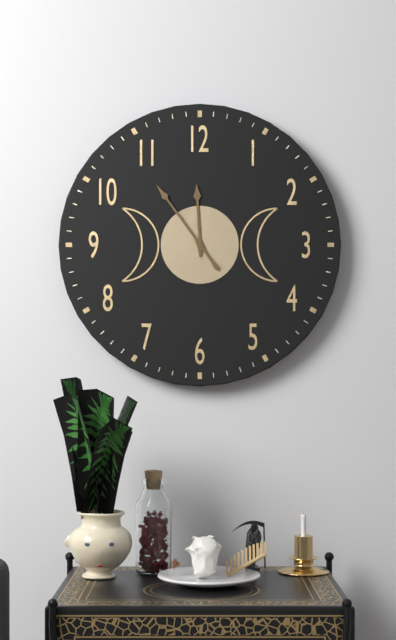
11:54
